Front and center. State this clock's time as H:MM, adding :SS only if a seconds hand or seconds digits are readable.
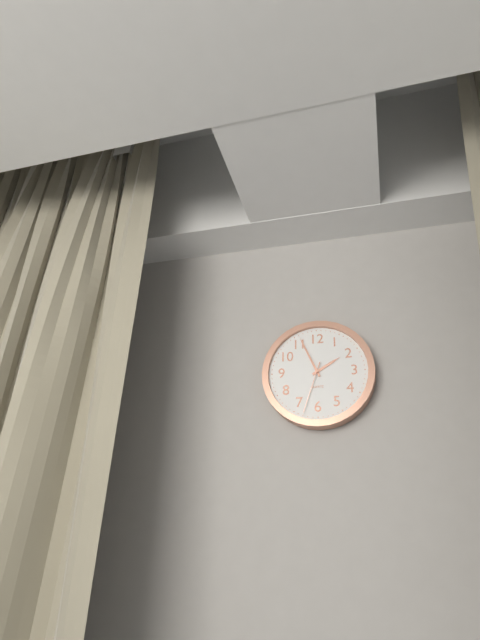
1:56:33
